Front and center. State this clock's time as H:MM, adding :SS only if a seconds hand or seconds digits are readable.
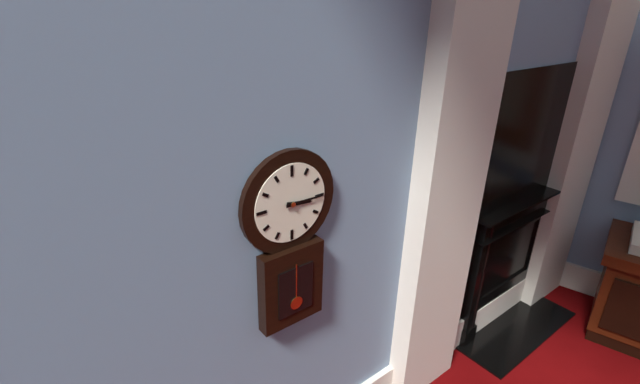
3:15
